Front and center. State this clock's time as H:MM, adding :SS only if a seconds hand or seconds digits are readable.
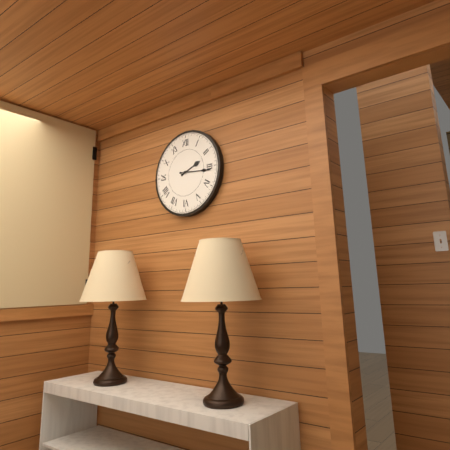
2:16
